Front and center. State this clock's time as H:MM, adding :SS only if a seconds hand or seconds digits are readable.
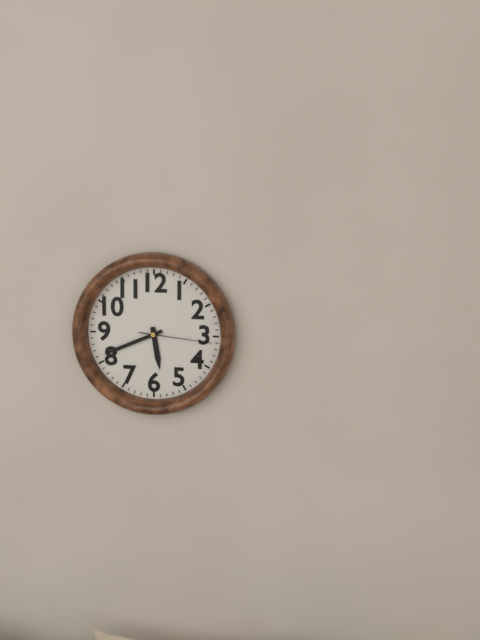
5:41:16
